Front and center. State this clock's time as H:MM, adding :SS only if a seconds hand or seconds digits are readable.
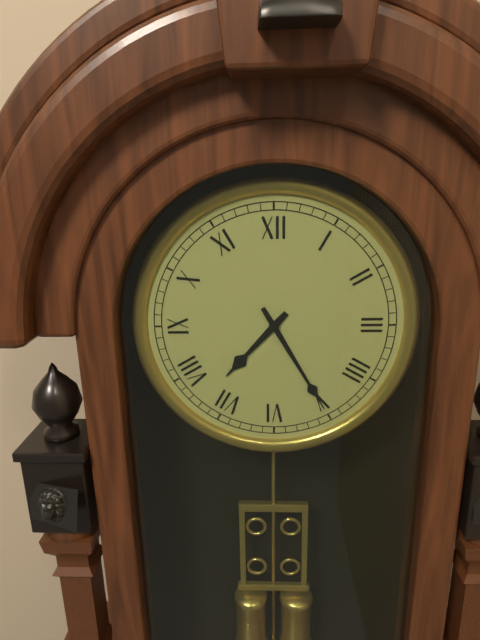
7:25
